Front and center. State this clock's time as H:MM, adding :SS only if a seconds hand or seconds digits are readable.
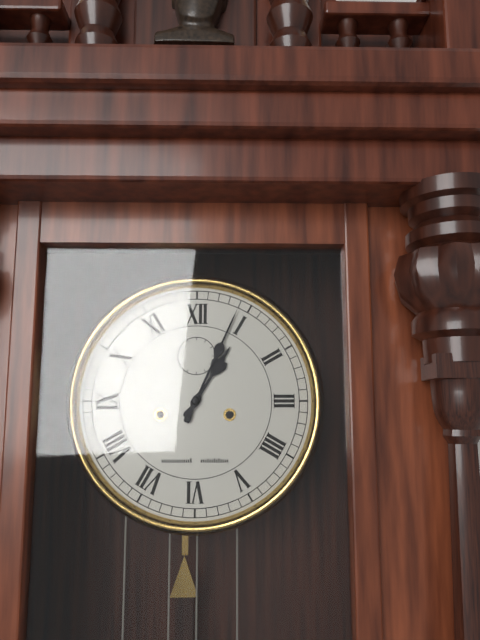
1:04
